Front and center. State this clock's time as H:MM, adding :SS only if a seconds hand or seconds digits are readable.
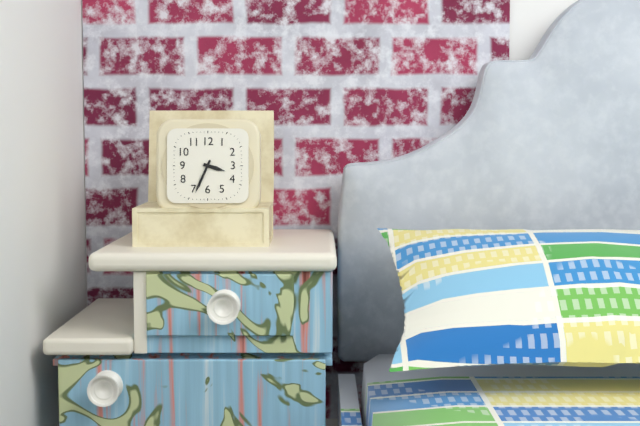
3:34
